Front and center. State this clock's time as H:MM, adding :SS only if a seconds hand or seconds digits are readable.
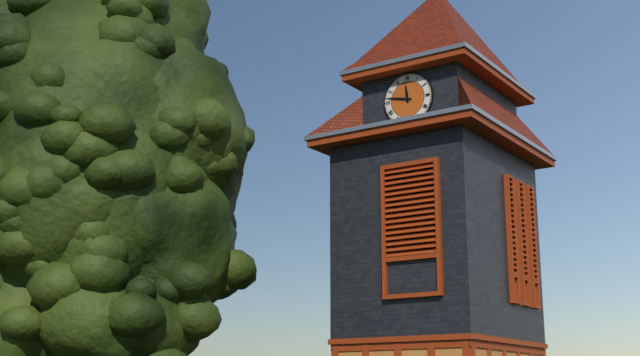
11:47
